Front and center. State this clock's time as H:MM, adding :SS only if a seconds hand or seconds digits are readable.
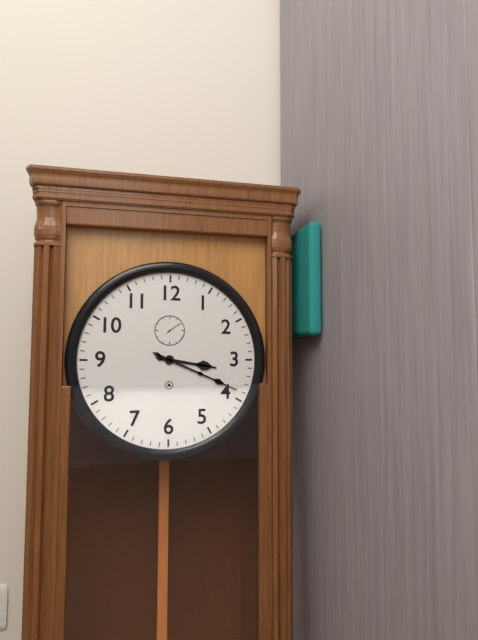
3:19
